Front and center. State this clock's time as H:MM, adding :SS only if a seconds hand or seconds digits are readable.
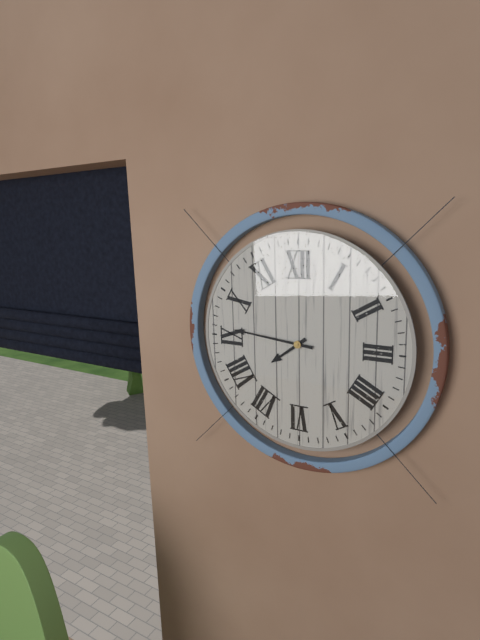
7:46
